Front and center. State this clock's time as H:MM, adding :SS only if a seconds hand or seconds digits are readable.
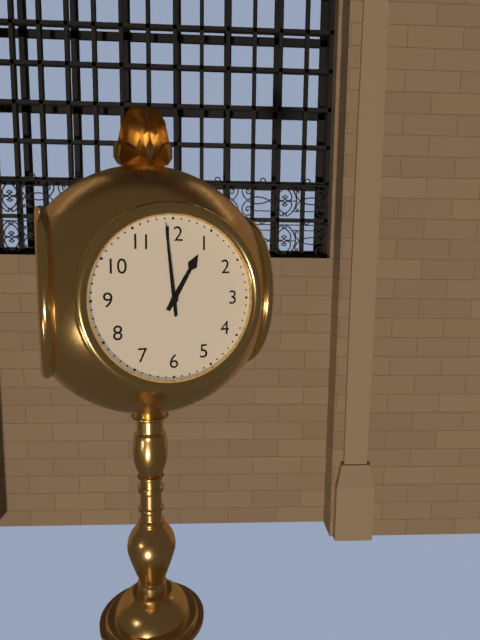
12:59
